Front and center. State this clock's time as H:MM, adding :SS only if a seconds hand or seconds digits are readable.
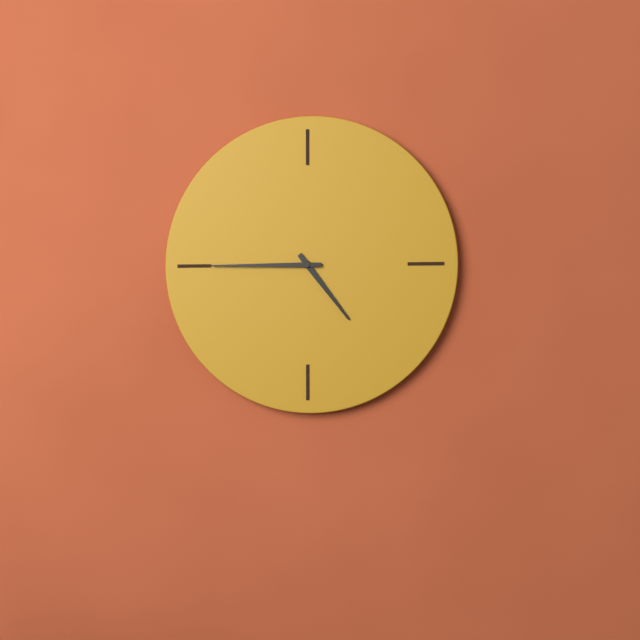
4:45
